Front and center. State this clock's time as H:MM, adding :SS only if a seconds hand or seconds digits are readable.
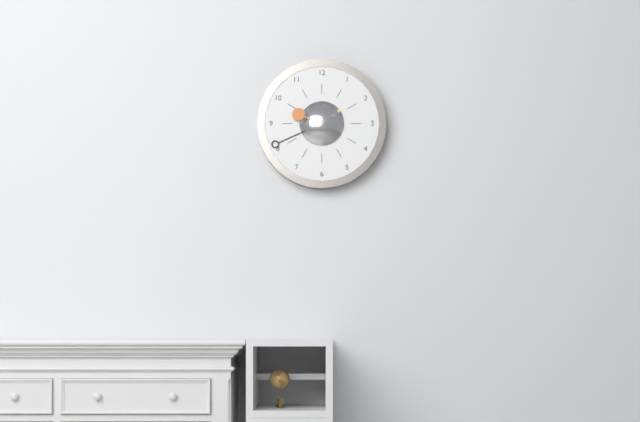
9:41
